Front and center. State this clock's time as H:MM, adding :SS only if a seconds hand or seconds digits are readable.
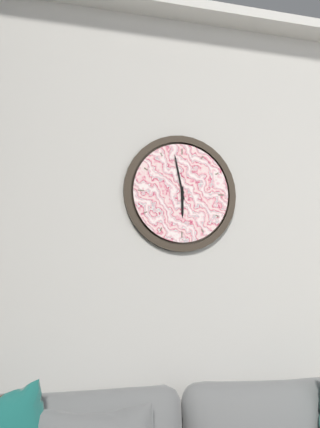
5:58
